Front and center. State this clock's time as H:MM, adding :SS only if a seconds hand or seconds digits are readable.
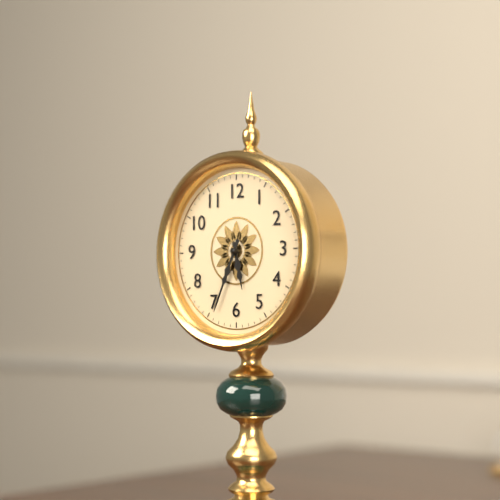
5:34
